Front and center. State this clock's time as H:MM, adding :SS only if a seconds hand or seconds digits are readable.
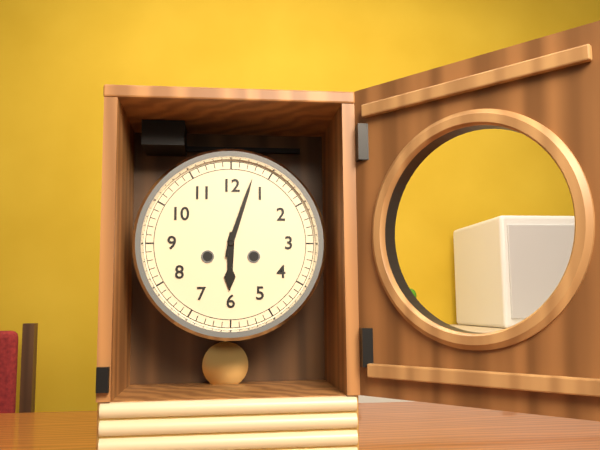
6:03
